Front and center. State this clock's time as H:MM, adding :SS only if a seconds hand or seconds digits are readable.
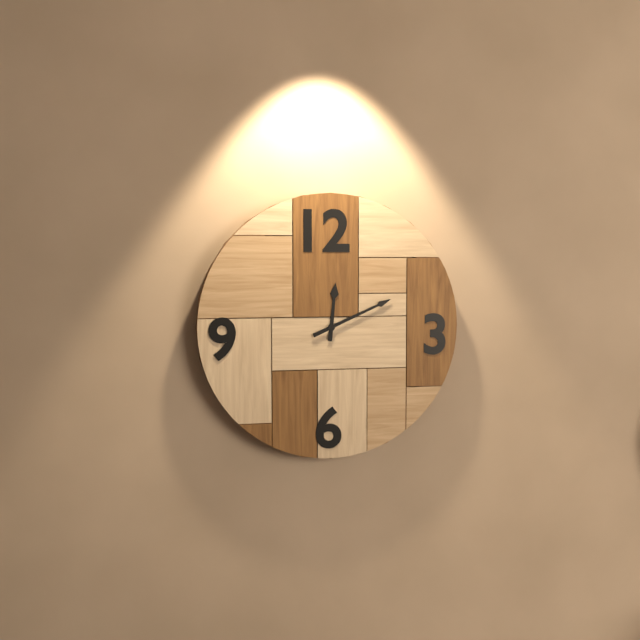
12:11
